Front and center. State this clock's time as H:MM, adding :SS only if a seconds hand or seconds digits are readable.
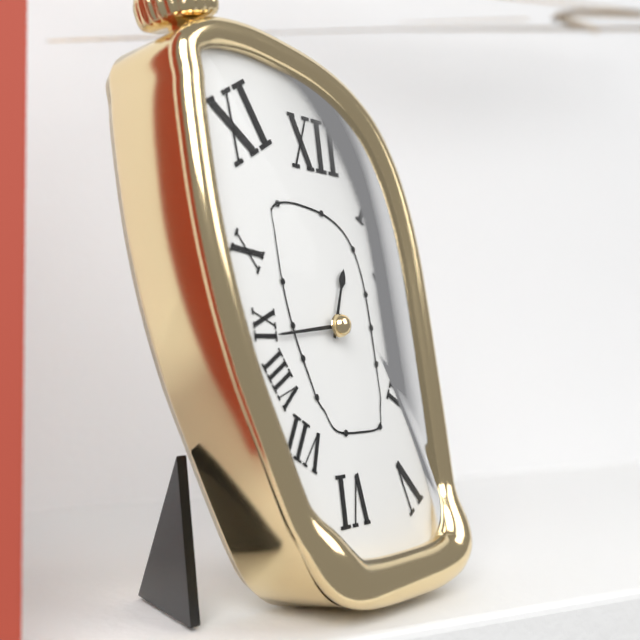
12:44
